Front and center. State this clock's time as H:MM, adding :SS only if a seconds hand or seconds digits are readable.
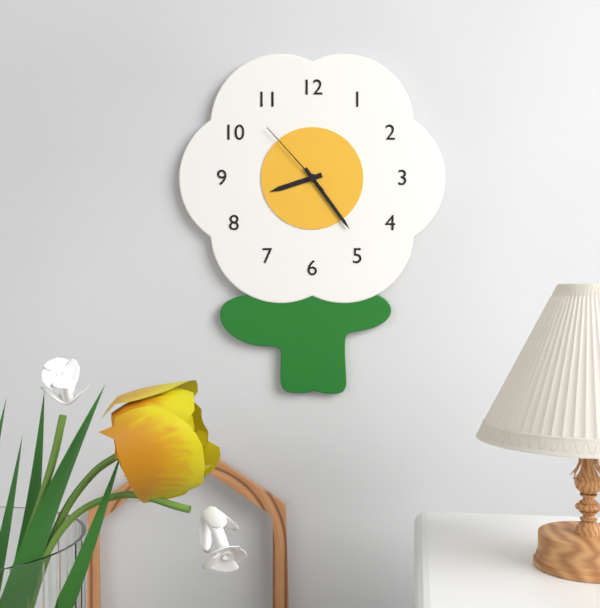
8:24:53
